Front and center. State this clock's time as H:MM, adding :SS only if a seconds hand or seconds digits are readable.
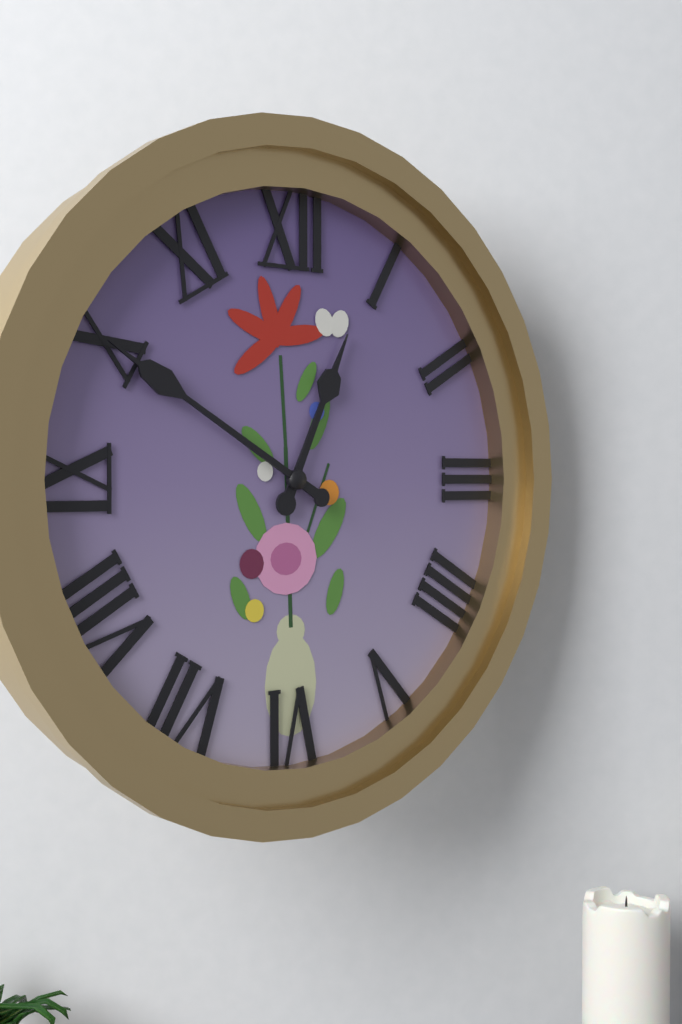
12:50
